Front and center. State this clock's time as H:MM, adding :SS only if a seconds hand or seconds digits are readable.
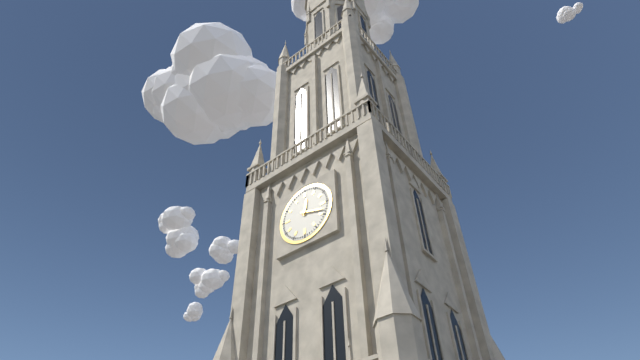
12:18
